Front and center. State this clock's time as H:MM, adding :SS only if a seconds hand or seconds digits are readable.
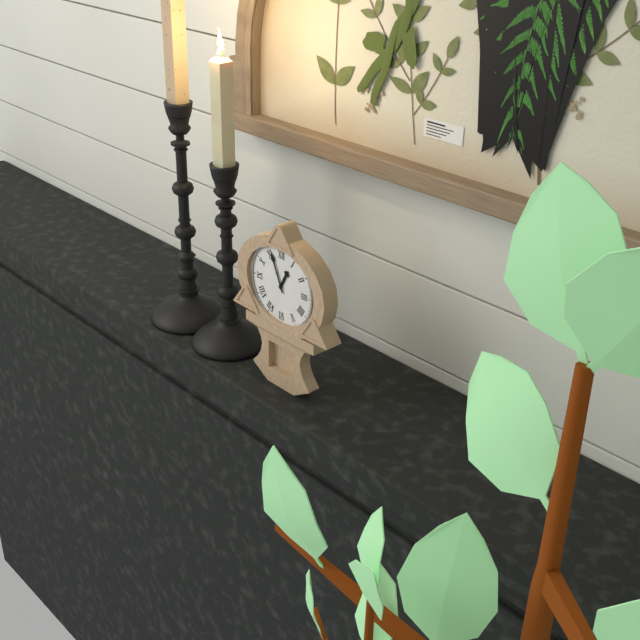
12:56
